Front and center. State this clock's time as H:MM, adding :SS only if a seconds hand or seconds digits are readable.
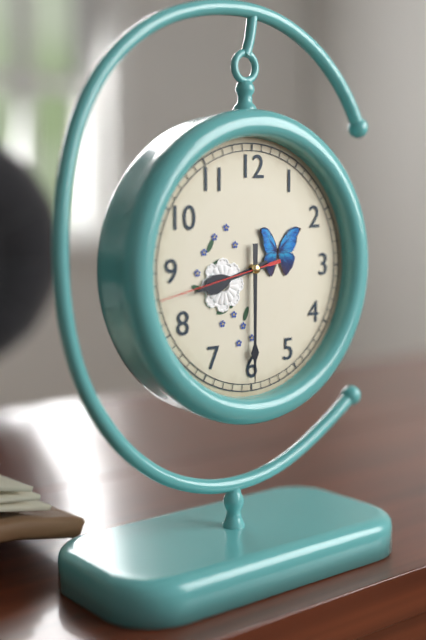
8:30:43
